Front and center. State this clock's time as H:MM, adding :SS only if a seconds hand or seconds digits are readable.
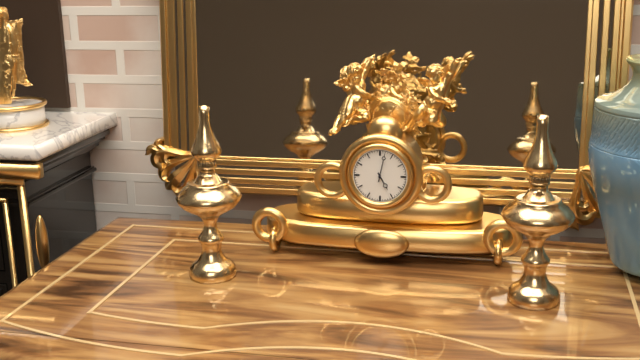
5:02
